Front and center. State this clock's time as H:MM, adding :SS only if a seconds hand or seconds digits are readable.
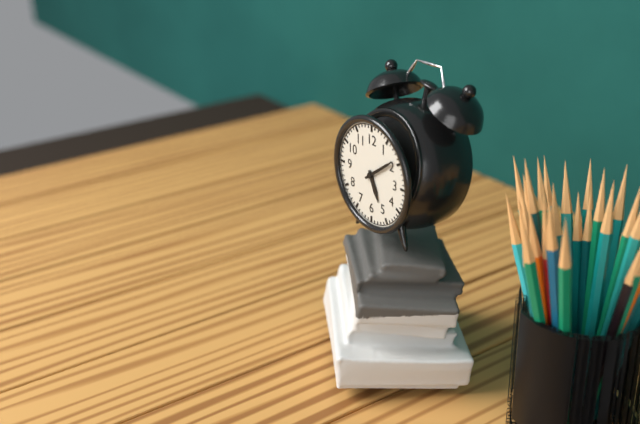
5:09
